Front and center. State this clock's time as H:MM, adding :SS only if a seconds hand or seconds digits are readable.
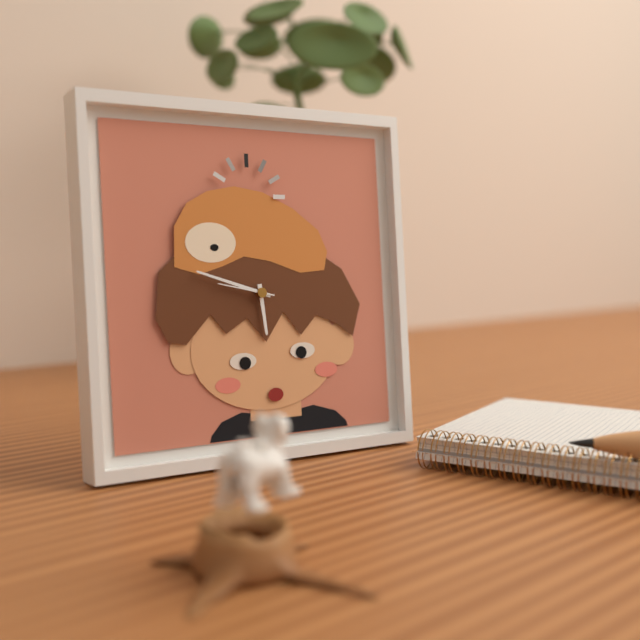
5:48:47
